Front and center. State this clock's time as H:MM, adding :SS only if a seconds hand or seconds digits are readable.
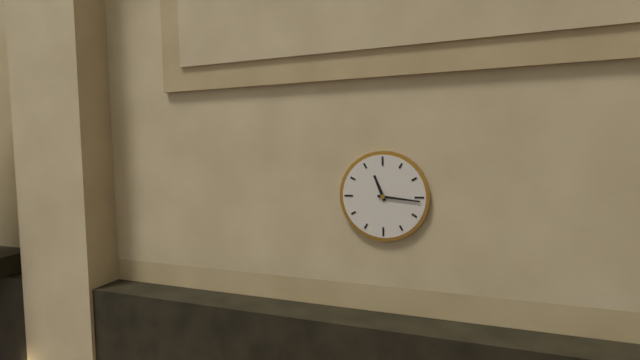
11:16
